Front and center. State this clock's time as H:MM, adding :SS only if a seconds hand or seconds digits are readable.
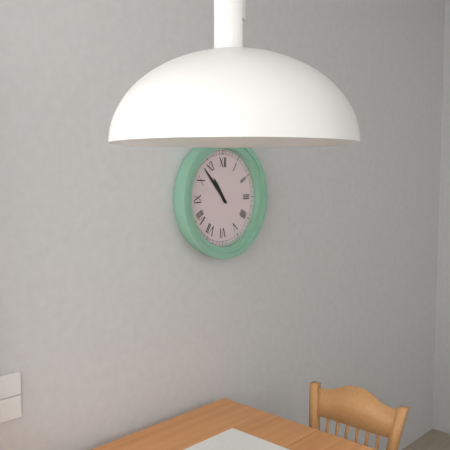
10:53
